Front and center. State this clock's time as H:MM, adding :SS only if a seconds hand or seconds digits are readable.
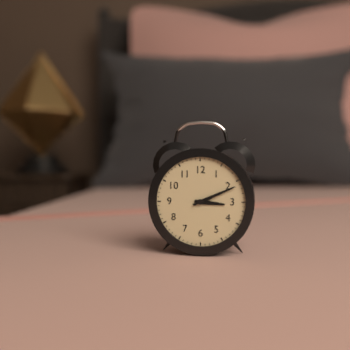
3:11
